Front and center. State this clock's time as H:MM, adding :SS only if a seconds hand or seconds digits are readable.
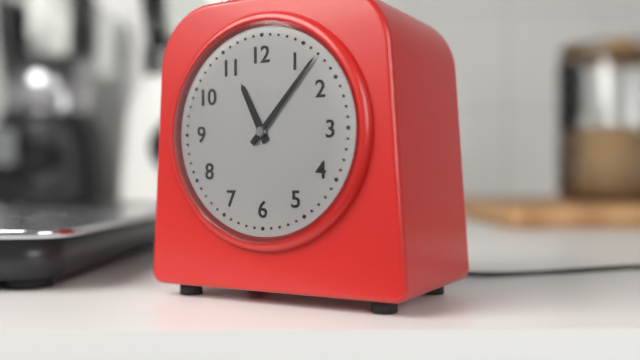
11:07
